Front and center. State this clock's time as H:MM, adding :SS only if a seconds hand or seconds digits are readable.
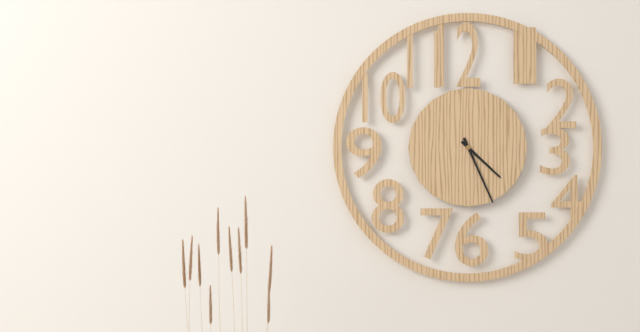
4:26
